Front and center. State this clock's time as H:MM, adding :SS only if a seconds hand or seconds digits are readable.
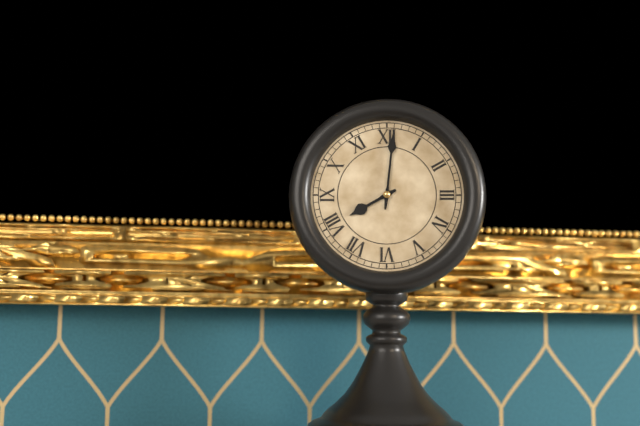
8:01
